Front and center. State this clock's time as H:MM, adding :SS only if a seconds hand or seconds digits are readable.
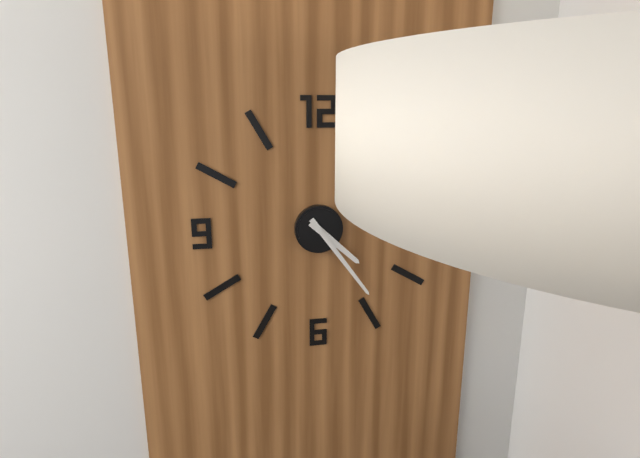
4:24
